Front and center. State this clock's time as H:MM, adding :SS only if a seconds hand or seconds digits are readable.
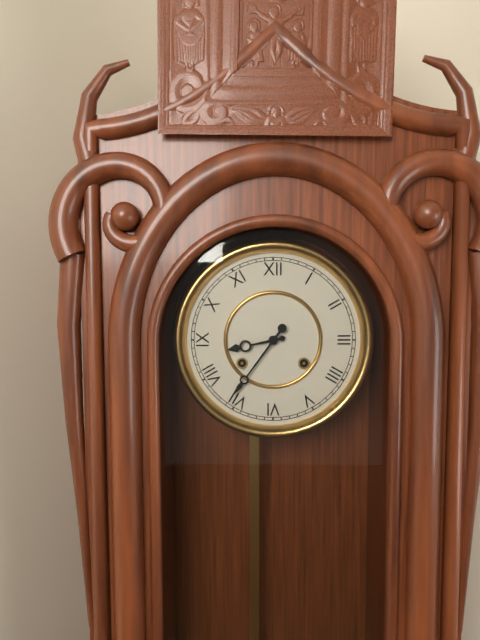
8:36
